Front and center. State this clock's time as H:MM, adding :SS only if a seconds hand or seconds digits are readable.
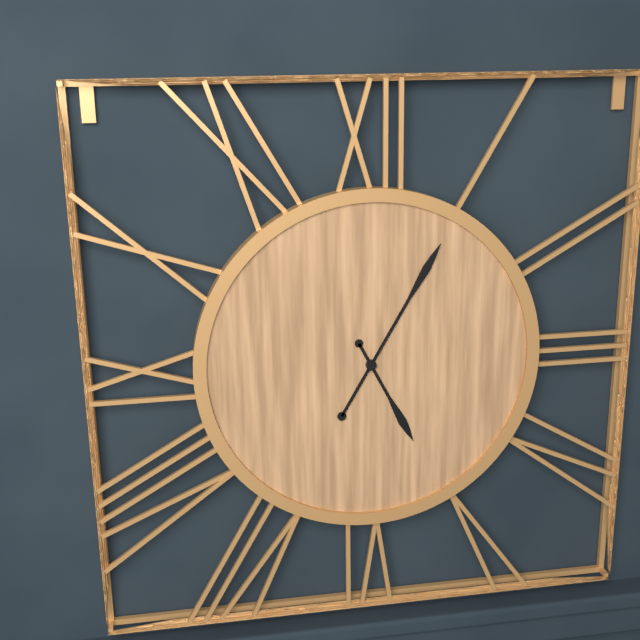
5:05
